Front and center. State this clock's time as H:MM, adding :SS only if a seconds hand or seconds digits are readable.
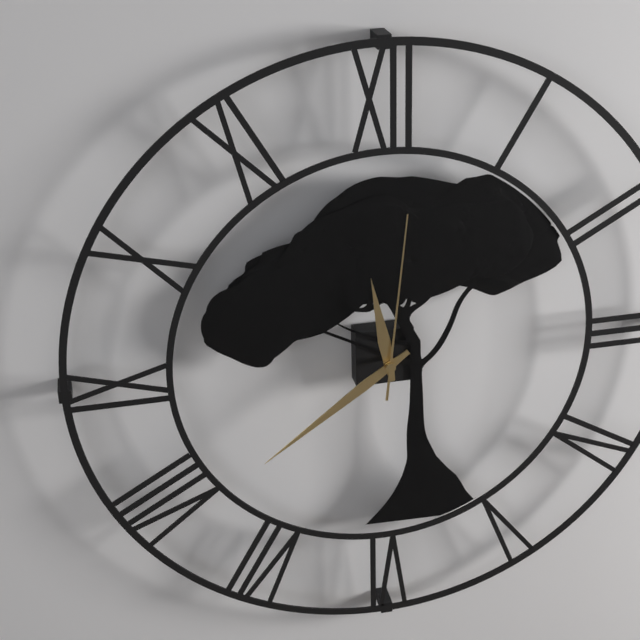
11:39:01
